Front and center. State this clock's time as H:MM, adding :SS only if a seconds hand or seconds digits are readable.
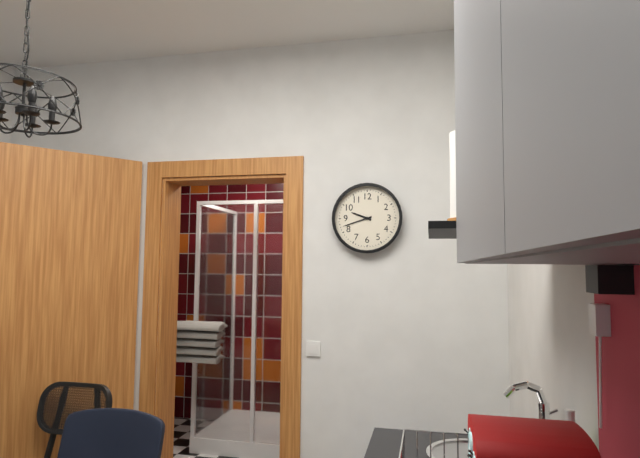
9:42
